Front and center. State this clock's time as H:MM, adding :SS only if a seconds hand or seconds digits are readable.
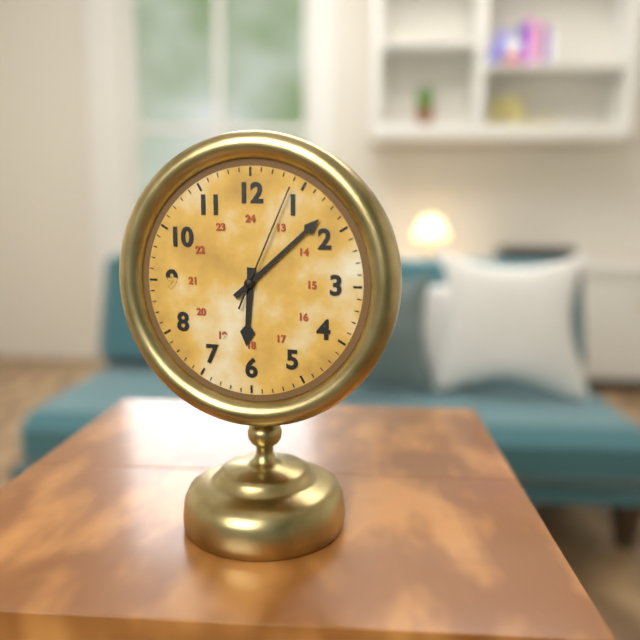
6:08:04
